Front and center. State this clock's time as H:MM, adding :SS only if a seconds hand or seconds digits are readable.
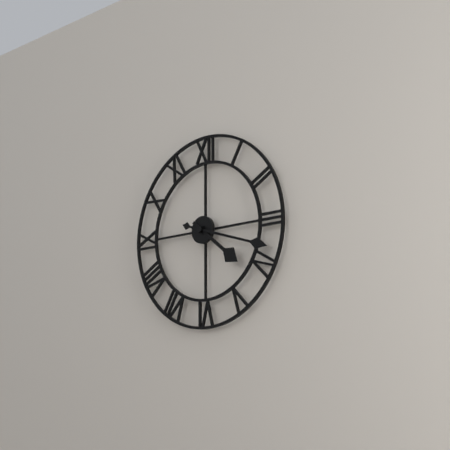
4:18
